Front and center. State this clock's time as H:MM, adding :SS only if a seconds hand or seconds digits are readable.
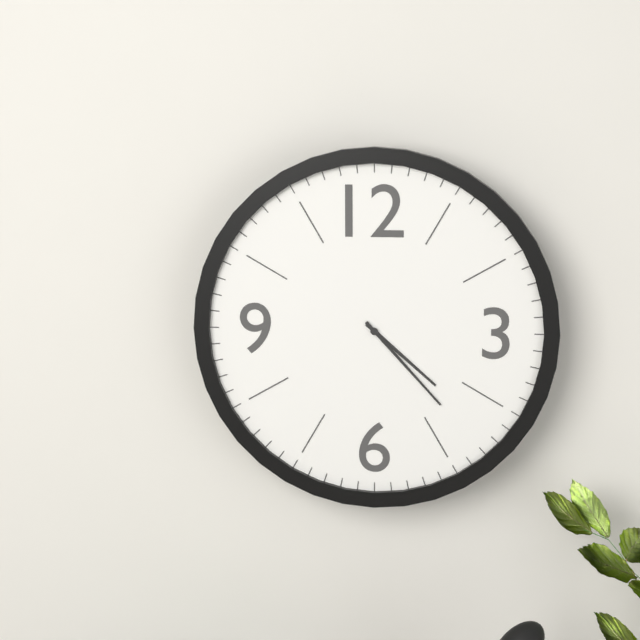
4:23
